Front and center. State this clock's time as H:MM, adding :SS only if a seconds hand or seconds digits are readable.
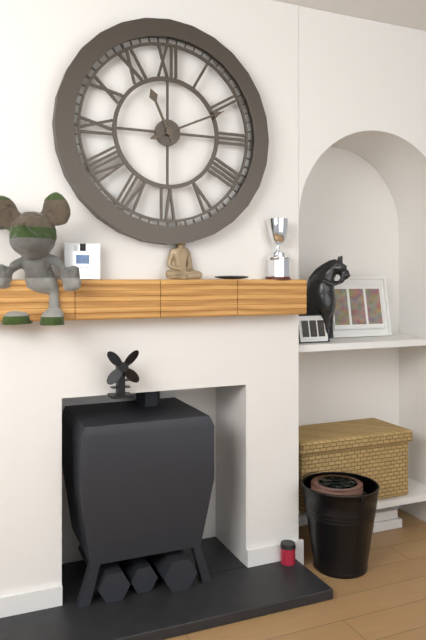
11:11:11
